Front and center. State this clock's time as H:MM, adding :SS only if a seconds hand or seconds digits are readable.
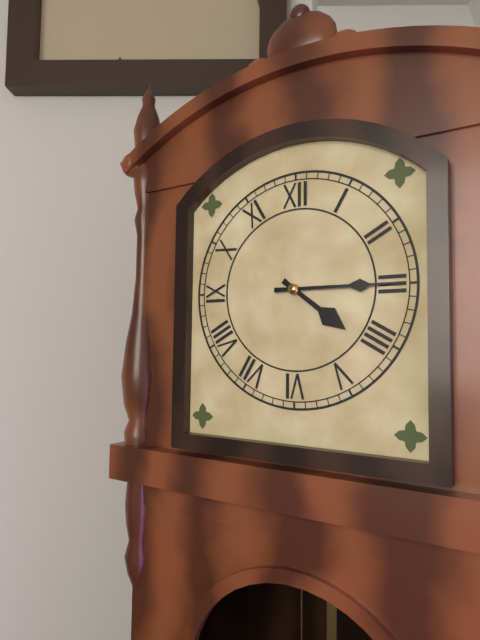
4:15
